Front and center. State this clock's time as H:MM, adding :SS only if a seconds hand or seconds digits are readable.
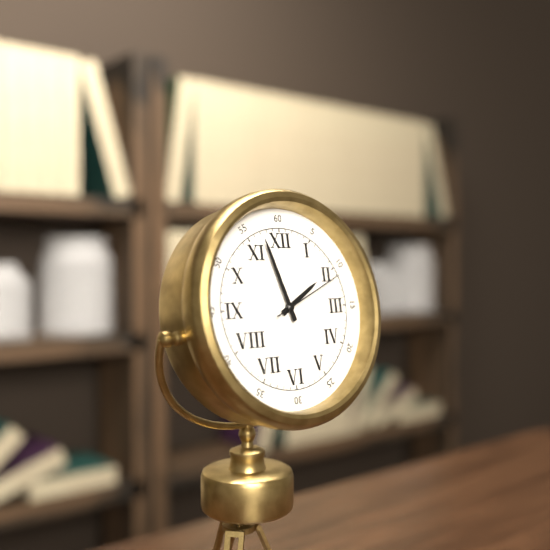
1:57:11
